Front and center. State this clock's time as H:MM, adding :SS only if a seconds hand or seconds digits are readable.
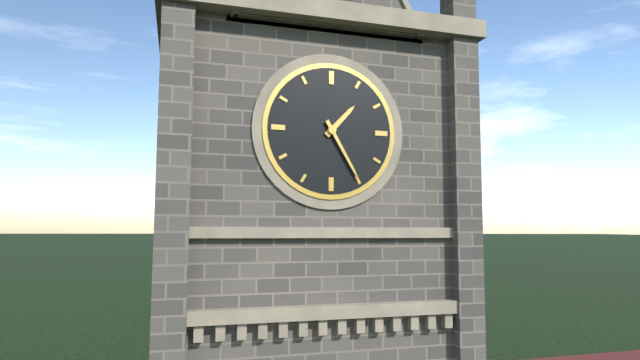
1:25
